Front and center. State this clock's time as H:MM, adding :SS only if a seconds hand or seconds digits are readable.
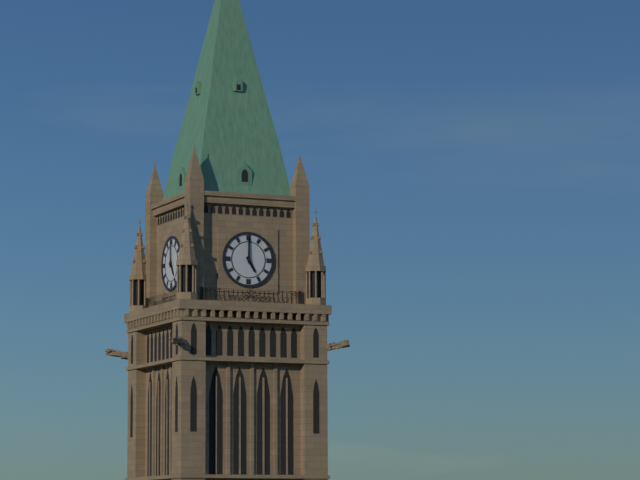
5:00
